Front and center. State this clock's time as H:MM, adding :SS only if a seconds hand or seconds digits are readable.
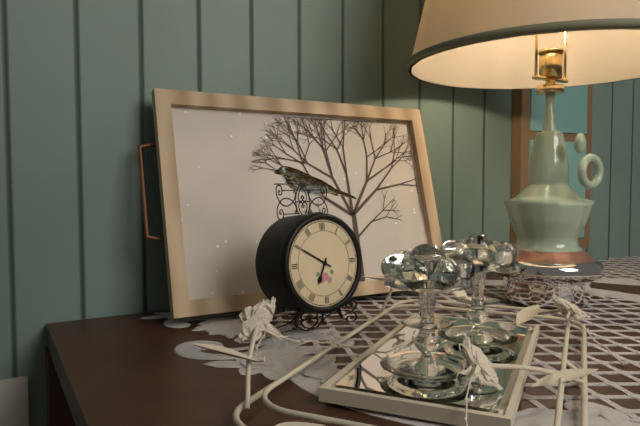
6:50
